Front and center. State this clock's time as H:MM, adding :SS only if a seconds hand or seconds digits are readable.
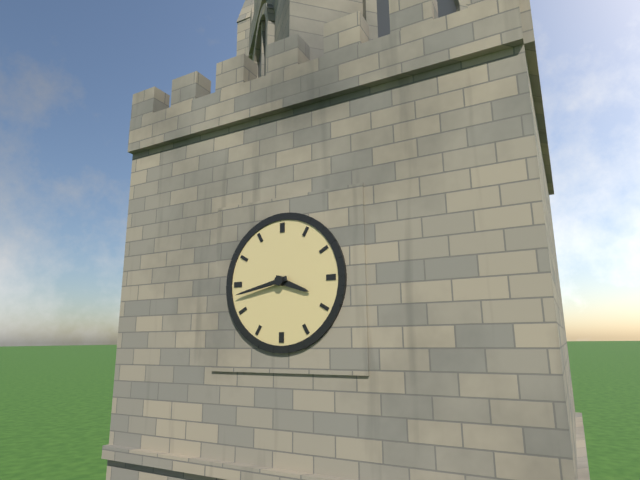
3:43
